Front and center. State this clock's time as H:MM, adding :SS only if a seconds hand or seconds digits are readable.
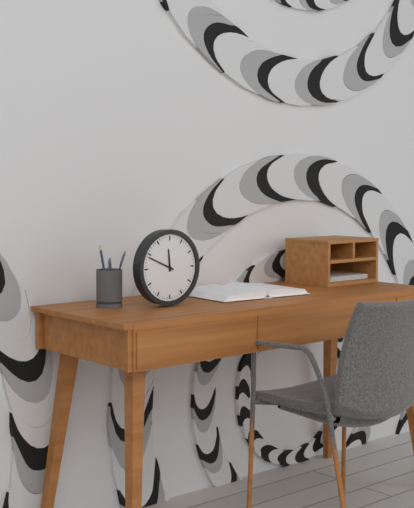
11:49
